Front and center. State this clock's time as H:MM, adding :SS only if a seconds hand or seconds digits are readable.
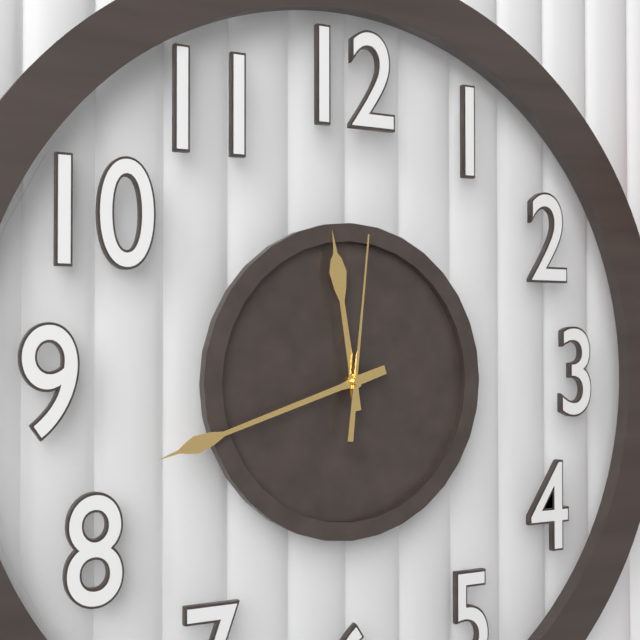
11:42:01
